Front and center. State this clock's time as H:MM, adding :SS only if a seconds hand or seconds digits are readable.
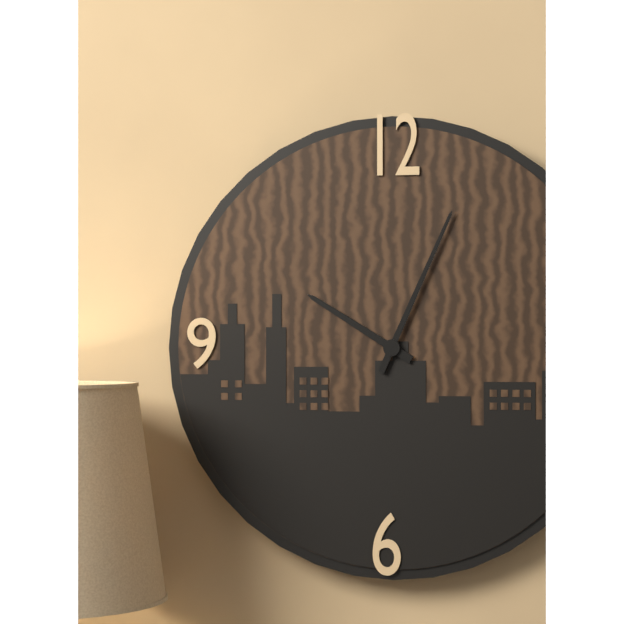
10:04
